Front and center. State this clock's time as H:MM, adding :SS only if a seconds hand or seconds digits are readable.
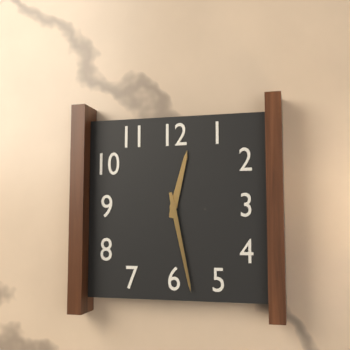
12:28
